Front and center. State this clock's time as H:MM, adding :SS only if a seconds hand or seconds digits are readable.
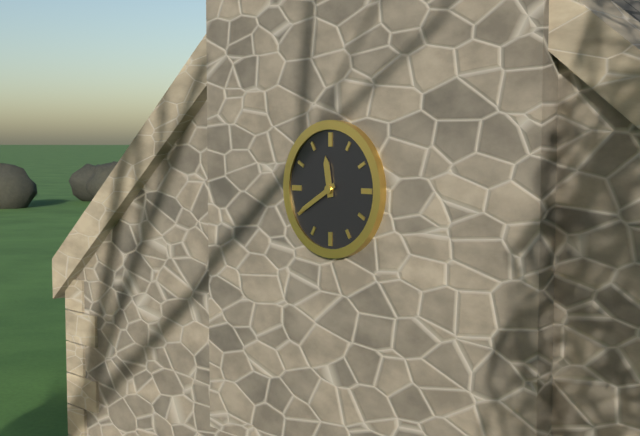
11:40
